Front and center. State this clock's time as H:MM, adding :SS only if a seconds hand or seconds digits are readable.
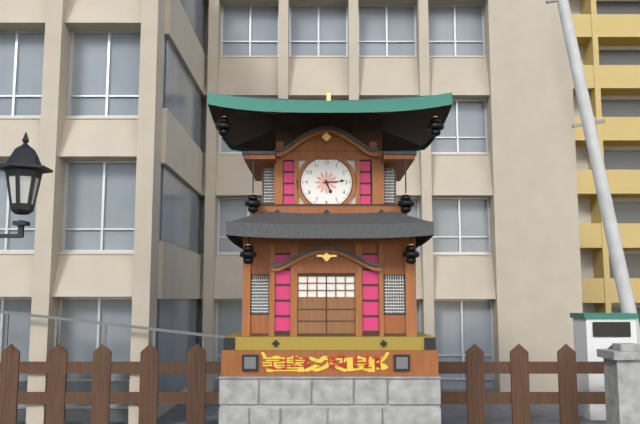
5:14
